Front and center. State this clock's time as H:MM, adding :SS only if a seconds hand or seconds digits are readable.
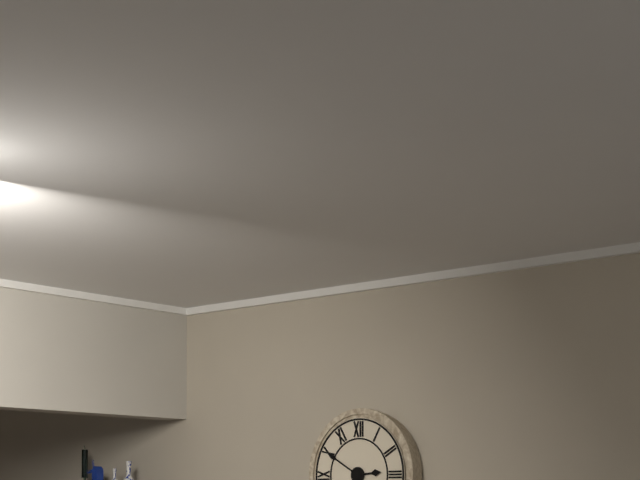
2:50
